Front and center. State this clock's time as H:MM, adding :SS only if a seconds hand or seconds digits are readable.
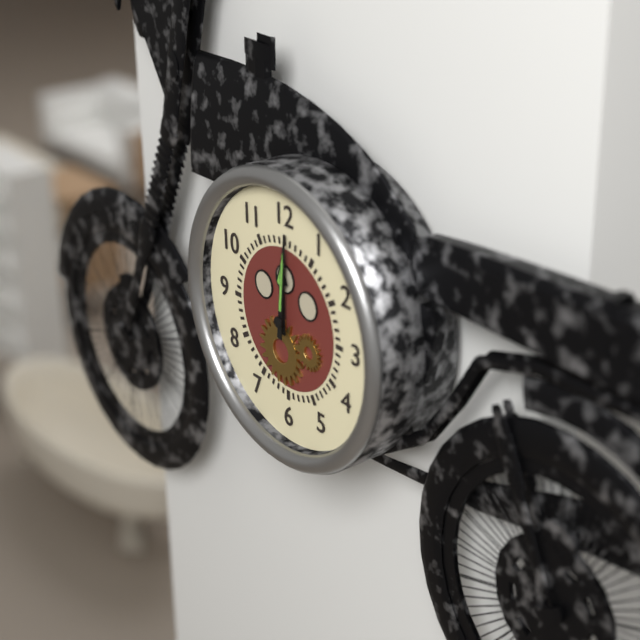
12:01
